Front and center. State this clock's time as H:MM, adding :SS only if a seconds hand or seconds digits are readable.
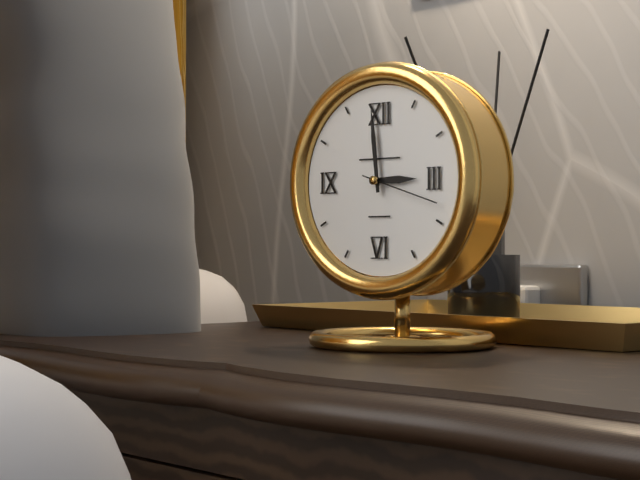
2:59:18
